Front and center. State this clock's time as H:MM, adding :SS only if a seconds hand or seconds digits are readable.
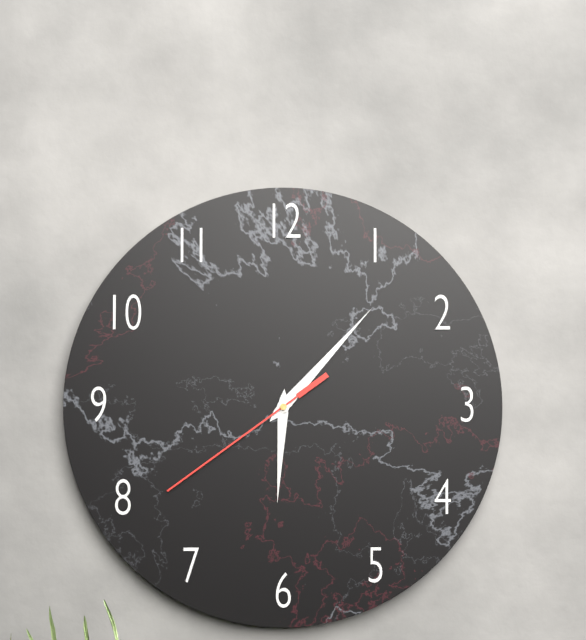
6:07:39
